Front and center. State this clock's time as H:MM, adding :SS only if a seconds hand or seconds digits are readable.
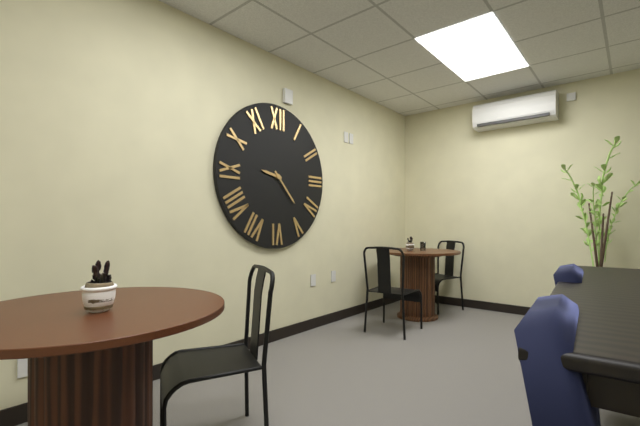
9:23
